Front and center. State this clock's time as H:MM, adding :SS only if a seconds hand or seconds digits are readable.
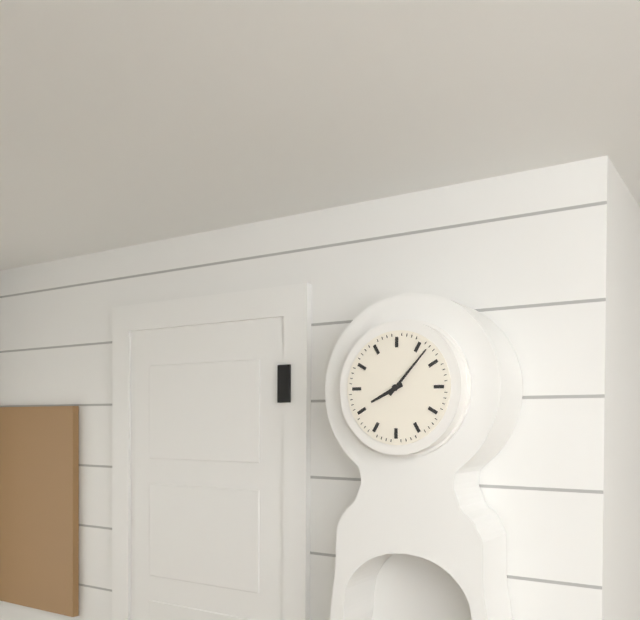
8:07
